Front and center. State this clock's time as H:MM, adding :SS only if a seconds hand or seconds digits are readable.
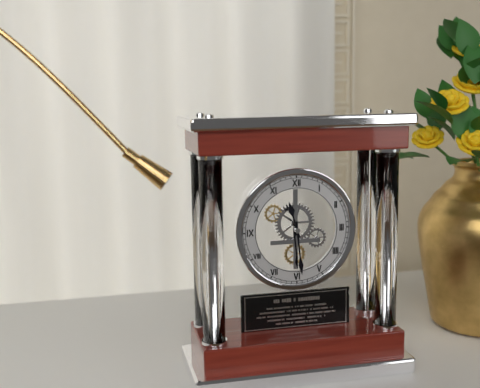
11:29
